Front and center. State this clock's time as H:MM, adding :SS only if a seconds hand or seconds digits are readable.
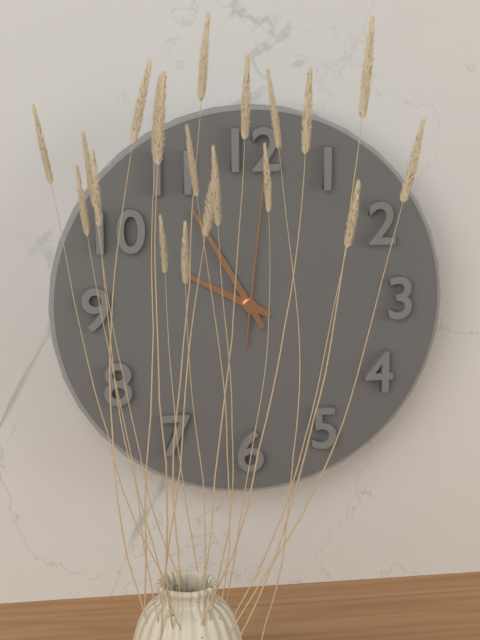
9:55:01
